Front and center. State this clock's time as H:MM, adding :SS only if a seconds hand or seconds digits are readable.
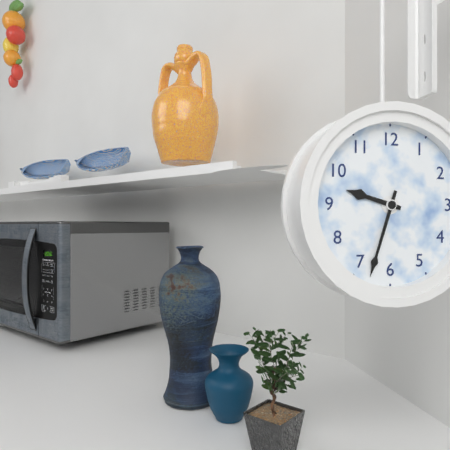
9:33
